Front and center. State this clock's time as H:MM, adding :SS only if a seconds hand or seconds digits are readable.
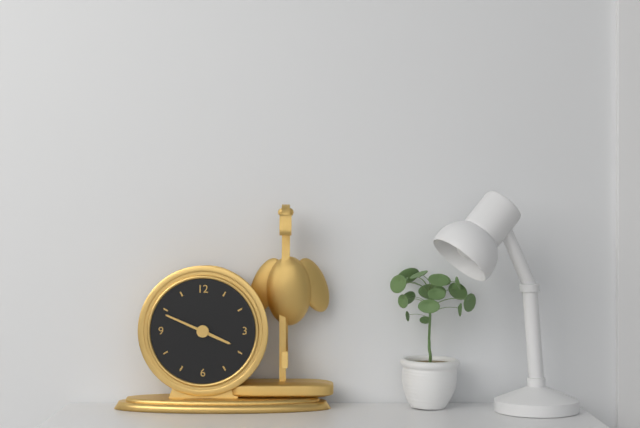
3:49
